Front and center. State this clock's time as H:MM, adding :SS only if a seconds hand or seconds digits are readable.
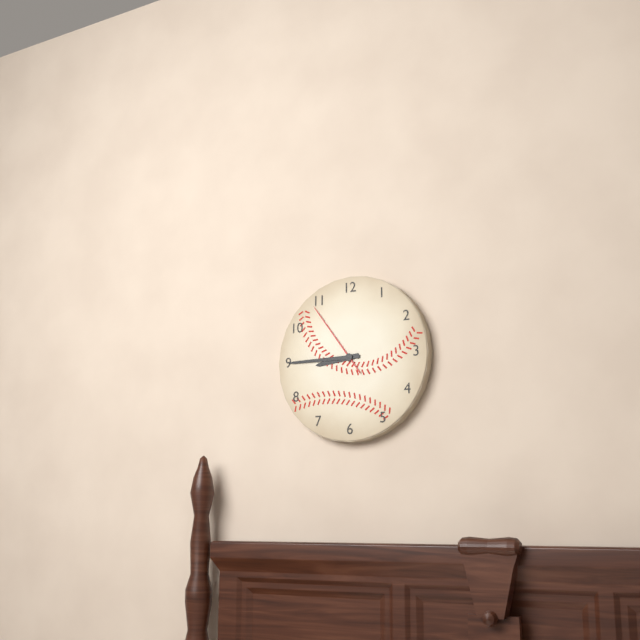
8:45:54
